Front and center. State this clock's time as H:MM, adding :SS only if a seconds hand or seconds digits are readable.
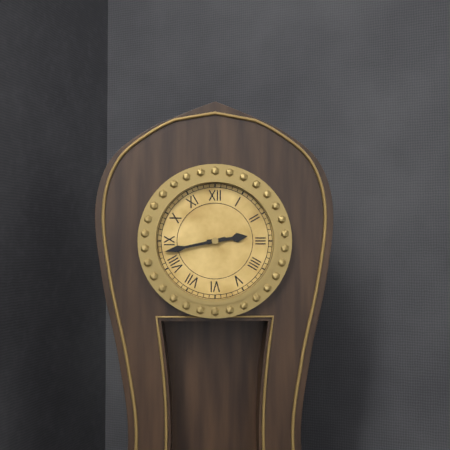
2:43
